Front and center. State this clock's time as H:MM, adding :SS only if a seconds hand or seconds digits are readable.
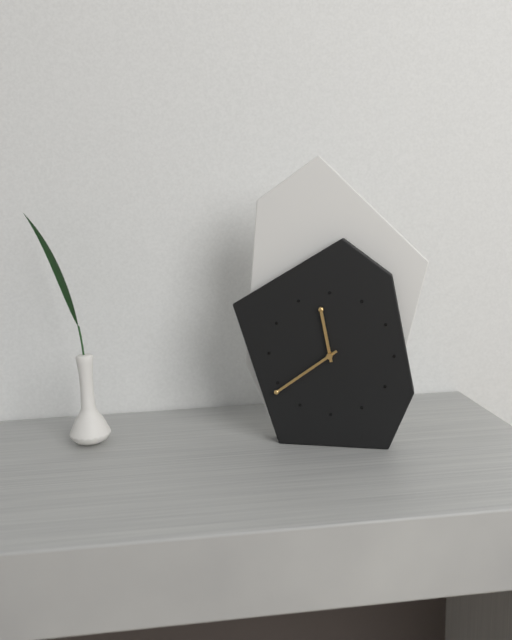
11:39
